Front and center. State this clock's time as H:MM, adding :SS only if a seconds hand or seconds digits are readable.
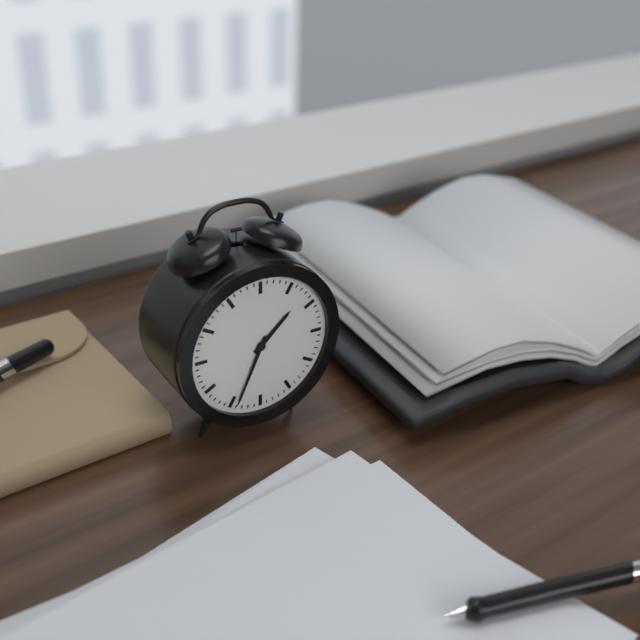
1:34
